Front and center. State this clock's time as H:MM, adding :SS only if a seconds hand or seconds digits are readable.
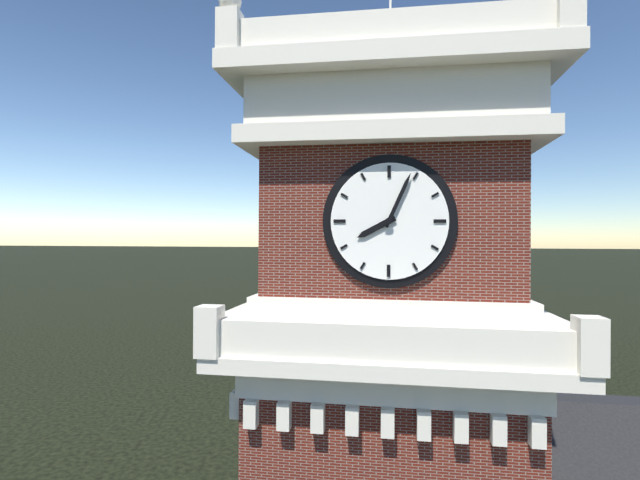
8:04
